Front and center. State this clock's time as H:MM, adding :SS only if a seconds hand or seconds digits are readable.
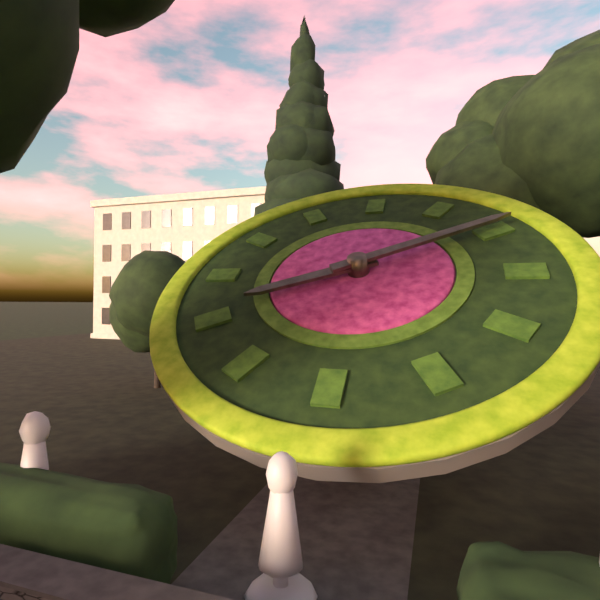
8:10
